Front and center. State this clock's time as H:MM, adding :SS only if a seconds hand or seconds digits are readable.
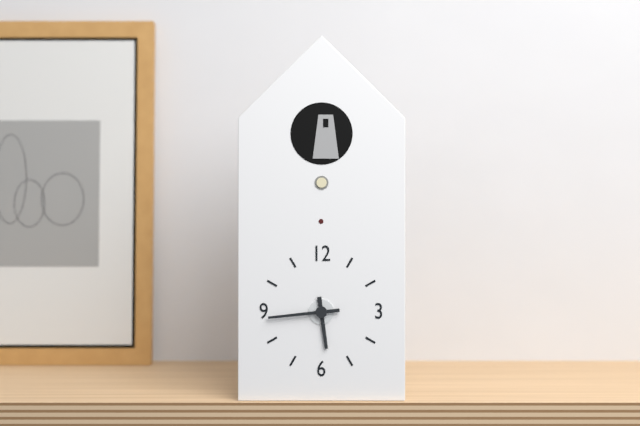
5:44
